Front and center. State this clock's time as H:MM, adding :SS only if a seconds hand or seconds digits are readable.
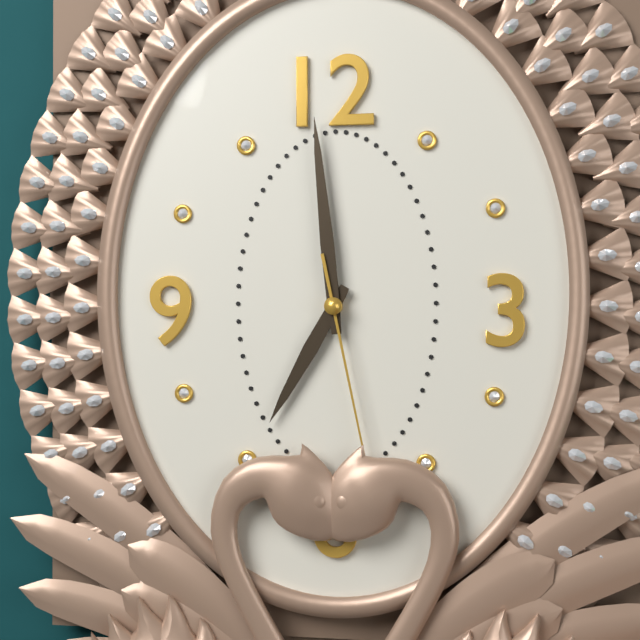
6:59
